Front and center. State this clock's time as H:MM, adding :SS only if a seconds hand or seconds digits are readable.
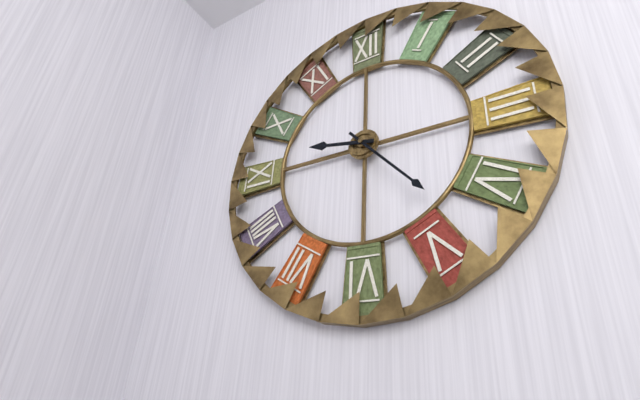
9:23
